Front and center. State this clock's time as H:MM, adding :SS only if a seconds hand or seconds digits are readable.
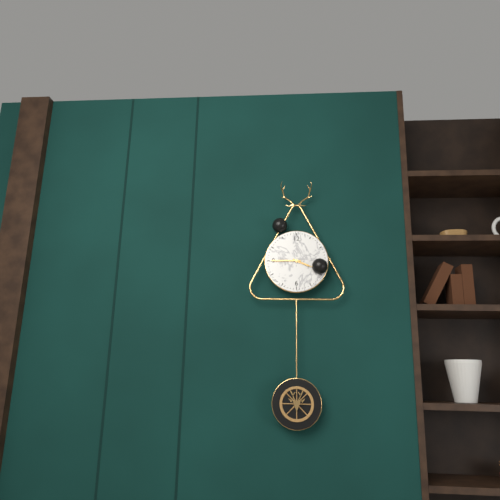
3:45
